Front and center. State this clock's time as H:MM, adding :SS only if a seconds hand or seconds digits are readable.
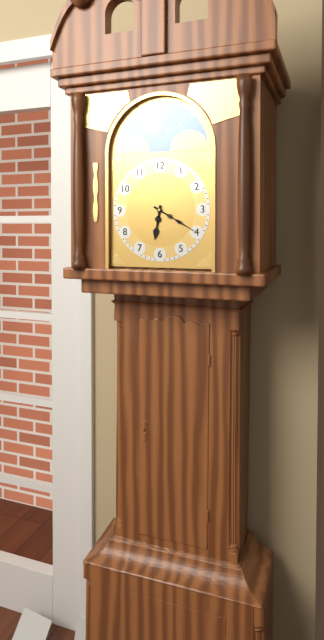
6:20
